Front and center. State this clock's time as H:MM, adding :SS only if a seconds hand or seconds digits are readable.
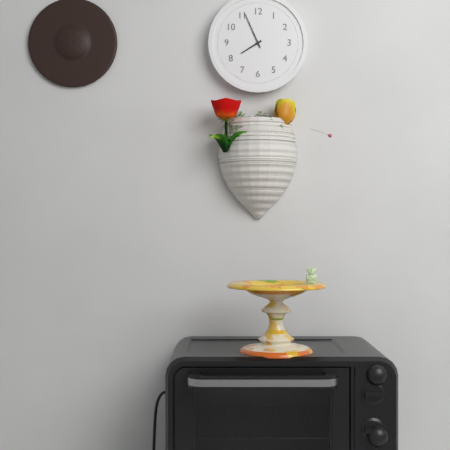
7:56
